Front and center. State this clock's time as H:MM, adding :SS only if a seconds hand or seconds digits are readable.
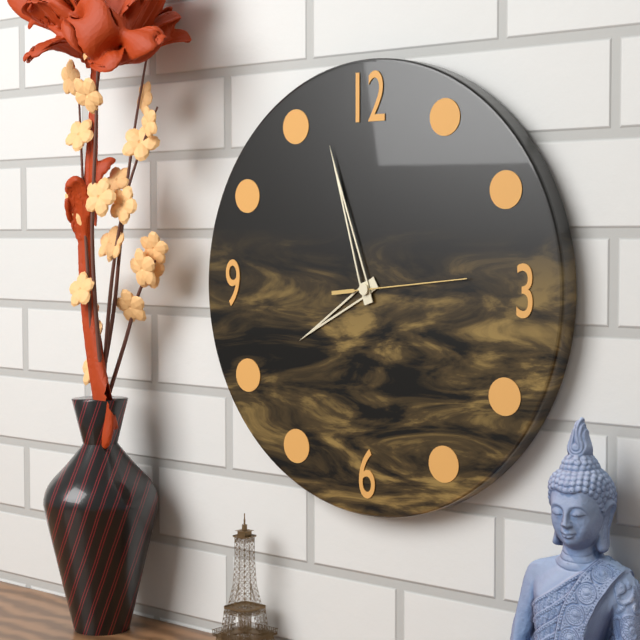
7:57:14
